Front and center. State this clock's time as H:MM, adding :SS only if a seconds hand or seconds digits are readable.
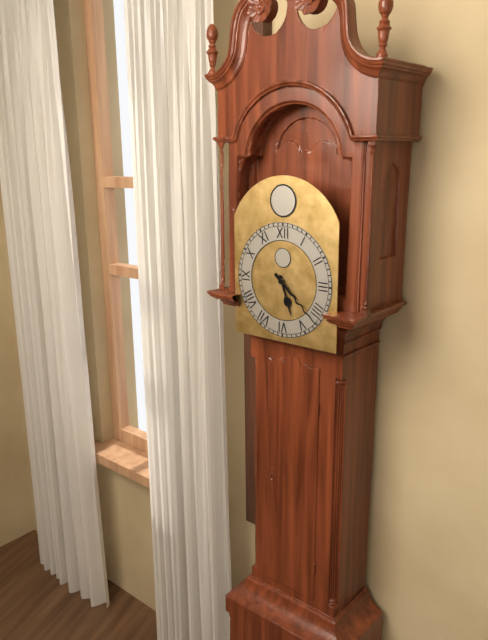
5:22
